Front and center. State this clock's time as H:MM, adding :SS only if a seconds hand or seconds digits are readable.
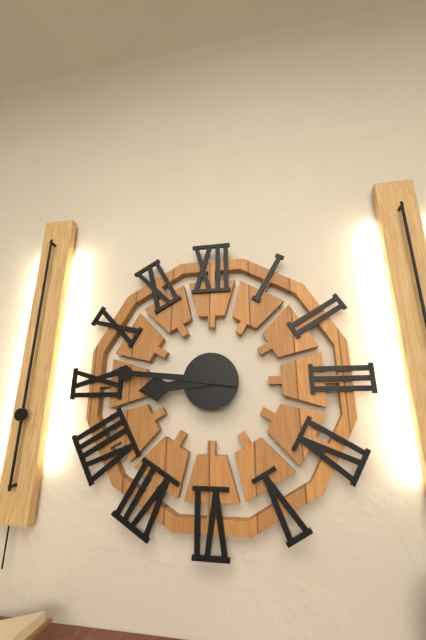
8:46
